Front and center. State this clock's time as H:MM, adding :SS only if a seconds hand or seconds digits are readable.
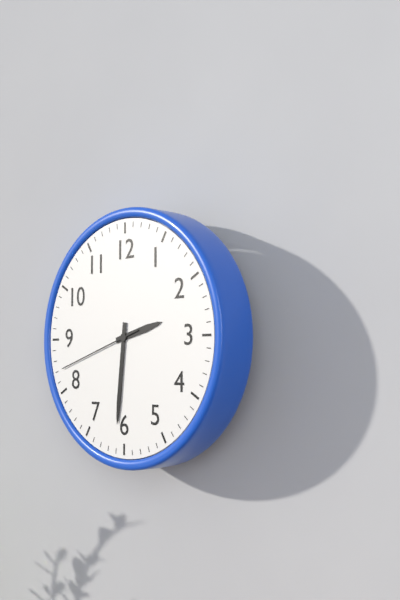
2:31:42
